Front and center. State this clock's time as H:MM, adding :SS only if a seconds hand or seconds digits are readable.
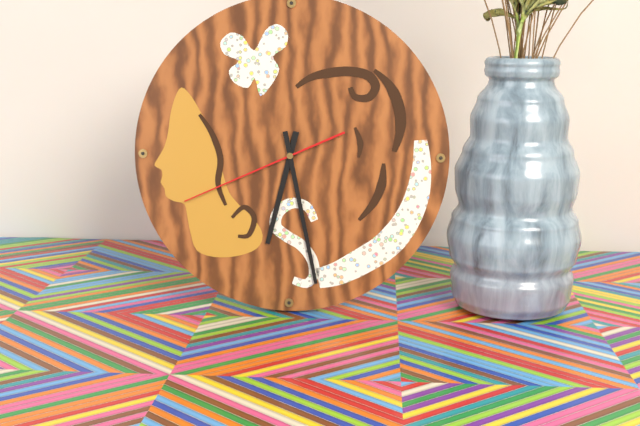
6:28:41
